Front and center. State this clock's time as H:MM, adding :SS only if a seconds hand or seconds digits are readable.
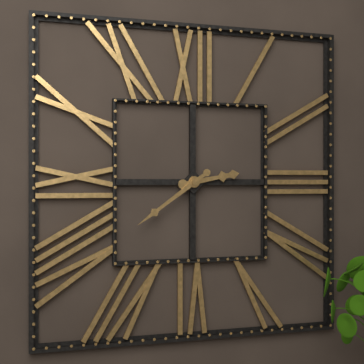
2:39
